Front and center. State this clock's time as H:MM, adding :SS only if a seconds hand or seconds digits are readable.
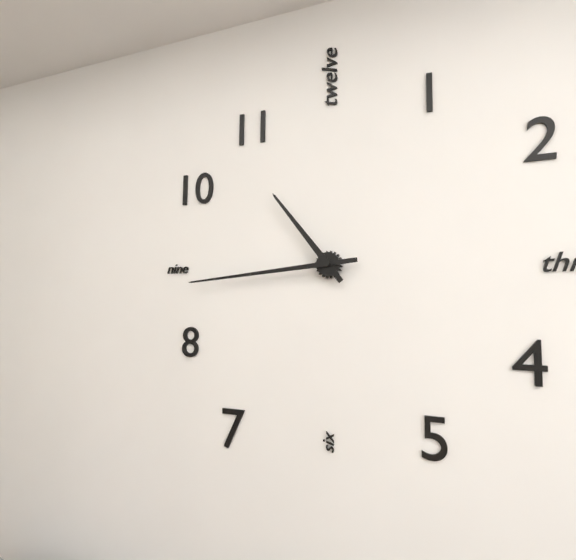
10:44
